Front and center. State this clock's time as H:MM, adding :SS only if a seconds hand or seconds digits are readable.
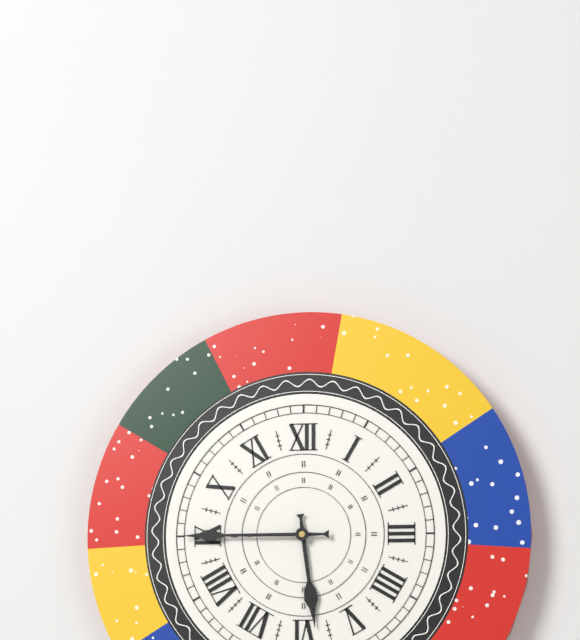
5:45
